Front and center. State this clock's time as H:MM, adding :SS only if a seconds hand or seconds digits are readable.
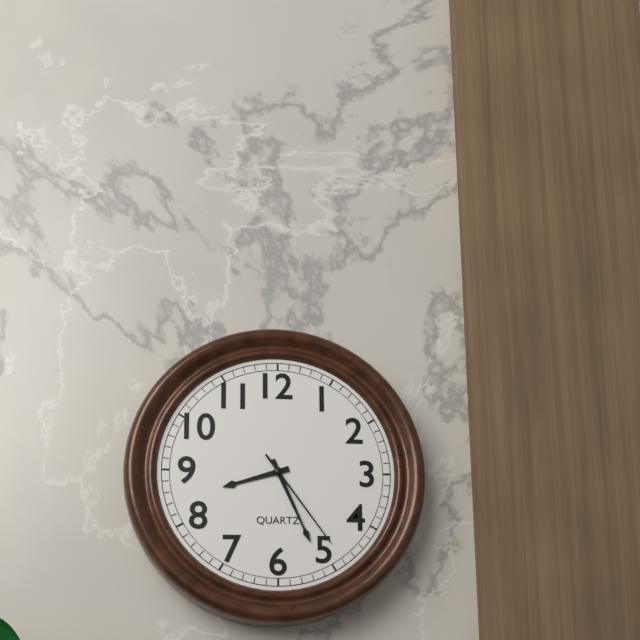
8:26:24
